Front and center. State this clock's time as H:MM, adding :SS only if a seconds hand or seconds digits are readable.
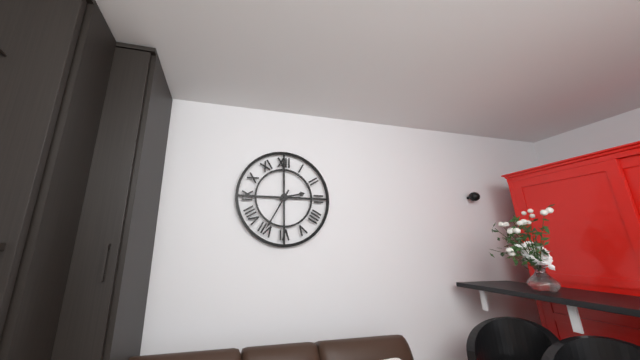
2:35
